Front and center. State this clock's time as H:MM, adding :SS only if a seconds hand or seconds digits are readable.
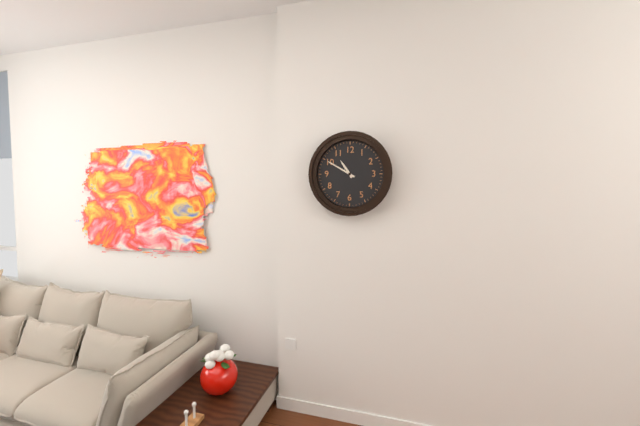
10:50
